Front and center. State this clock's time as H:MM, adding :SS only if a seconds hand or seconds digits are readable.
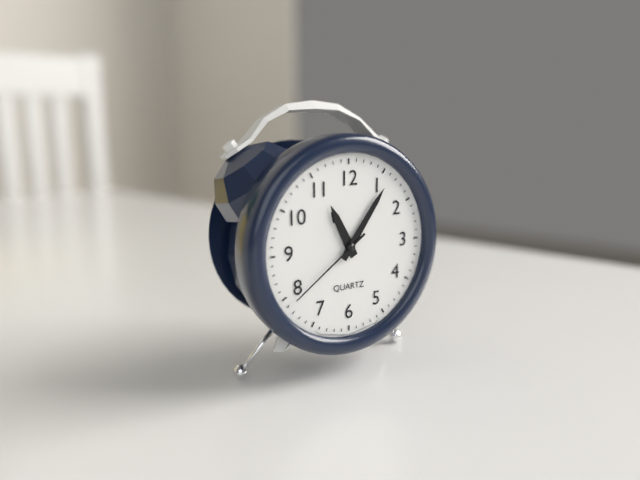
11:06:39
